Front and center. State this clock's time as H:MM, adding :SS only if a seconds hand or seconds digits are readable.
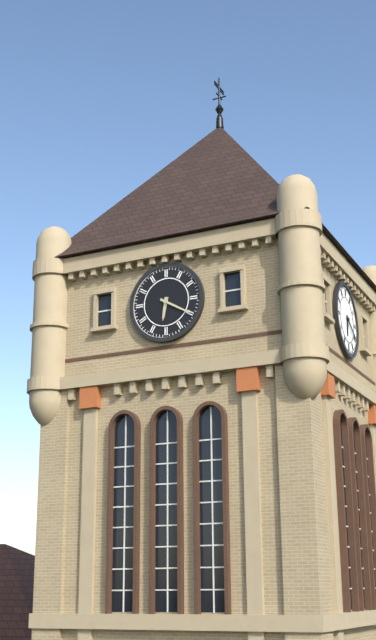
6:20
